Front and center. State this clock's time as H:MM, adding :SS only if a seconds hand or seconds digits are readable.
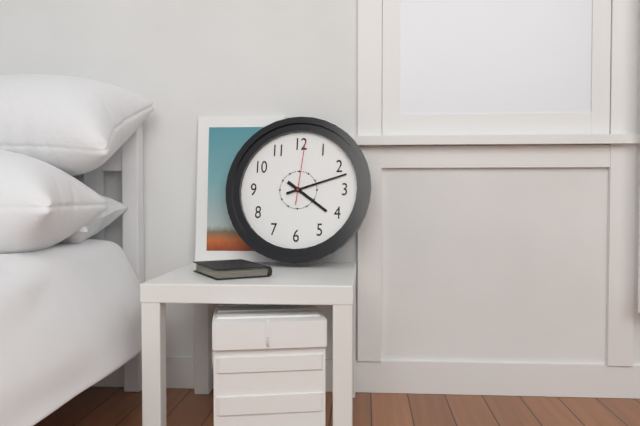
4:12:01
